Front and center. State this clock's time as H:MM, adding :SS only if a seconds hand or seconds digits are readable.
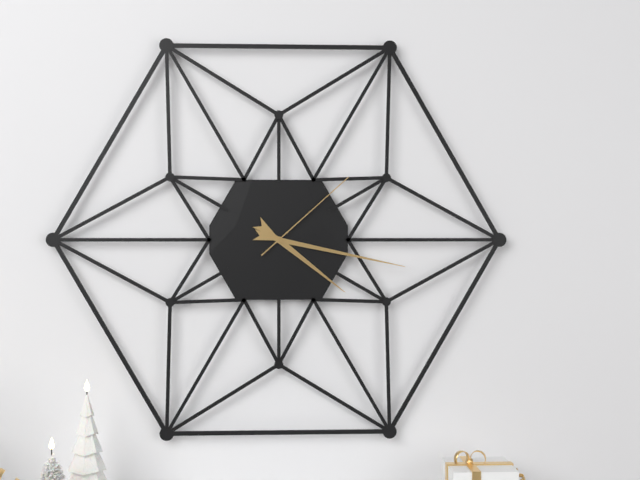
4:17:08
